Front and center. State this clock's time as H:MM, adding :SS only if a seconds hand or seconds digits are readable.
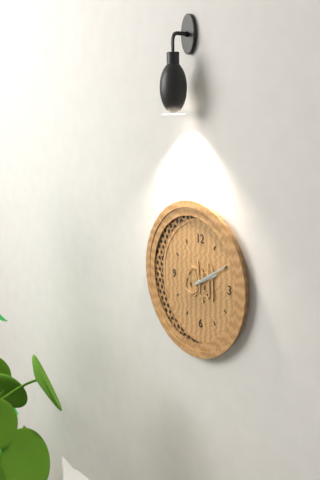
2:10
